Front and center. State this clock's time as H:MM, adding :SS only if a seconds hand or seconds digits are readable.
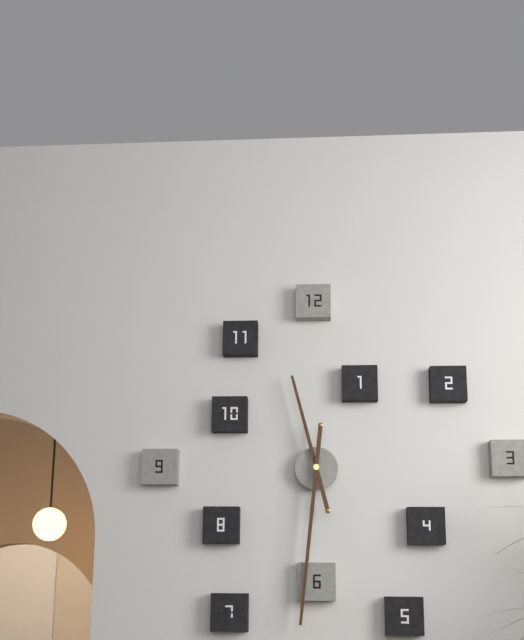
11:31
